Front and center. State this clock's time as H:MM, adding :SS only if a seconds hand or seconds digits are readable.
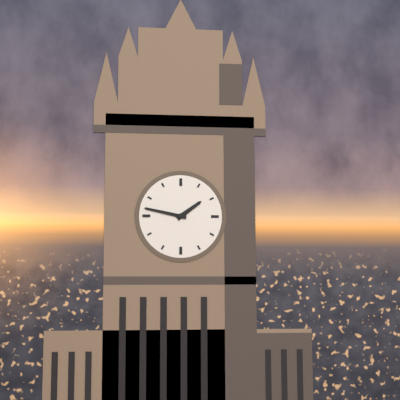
1:47
